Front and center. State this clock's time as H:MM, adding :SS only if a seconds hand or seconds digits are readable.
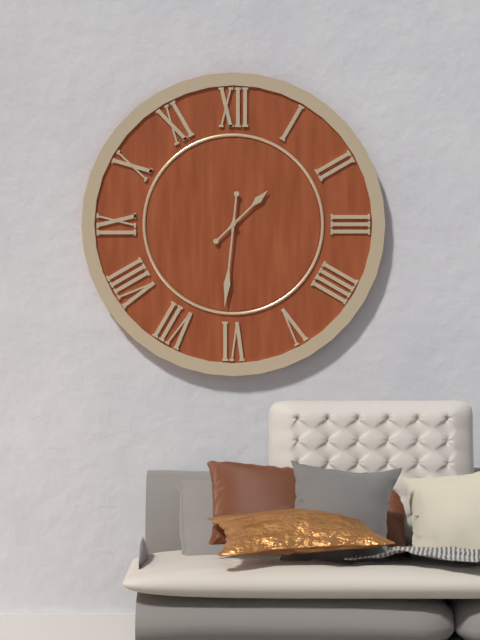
1:31
